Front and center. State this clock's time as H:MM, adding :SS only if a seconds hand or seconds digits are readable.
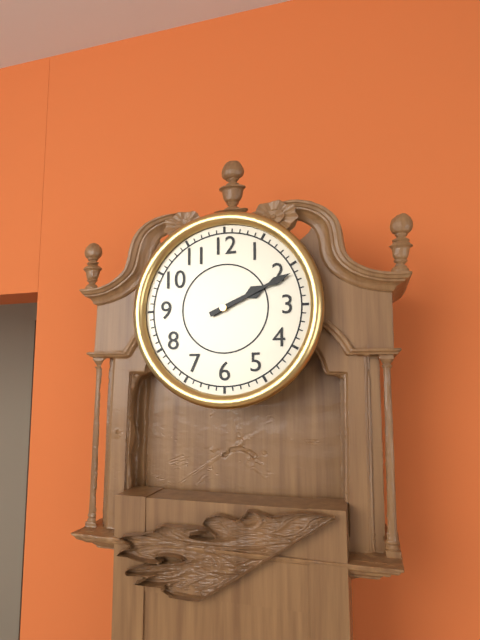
2:11
